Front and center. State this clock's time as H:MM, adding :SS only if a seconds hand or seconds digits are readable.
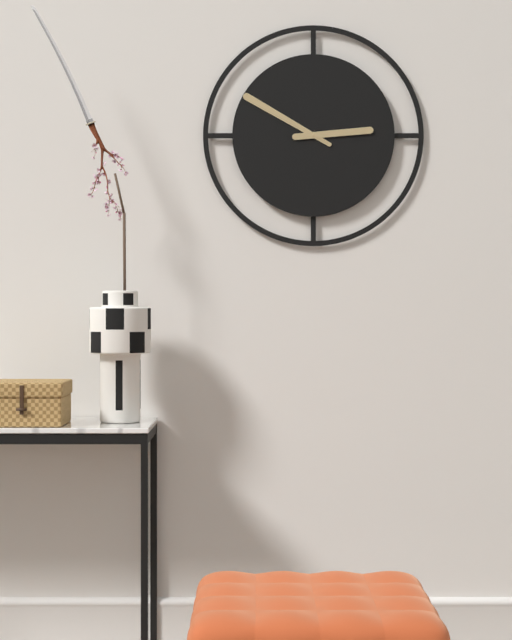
2:50
